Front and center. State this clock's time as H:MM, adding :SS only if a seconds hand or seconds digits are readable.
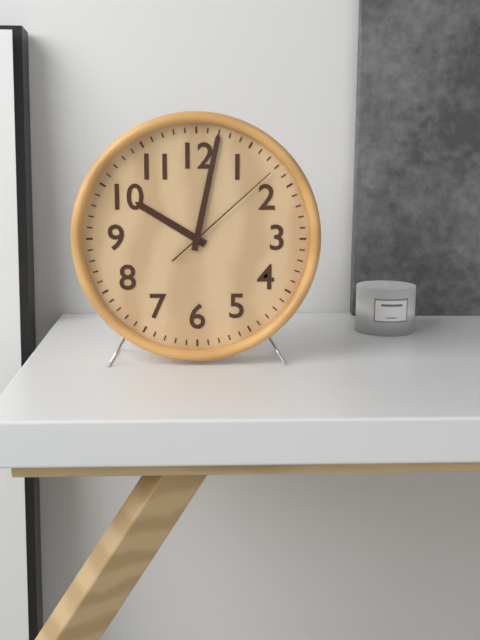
10:02:08
